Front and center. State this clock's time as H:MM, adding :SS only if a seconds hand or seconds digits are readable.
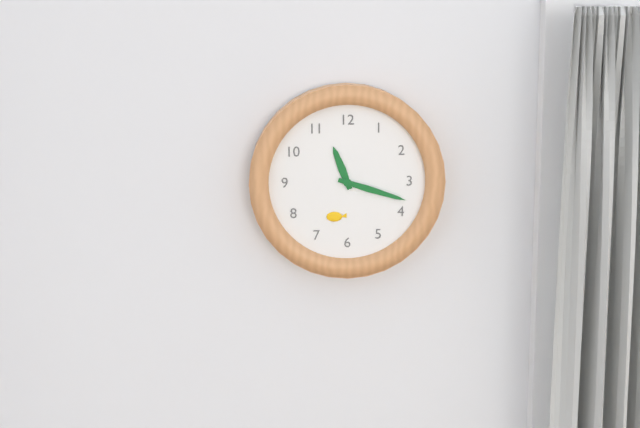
11:18
